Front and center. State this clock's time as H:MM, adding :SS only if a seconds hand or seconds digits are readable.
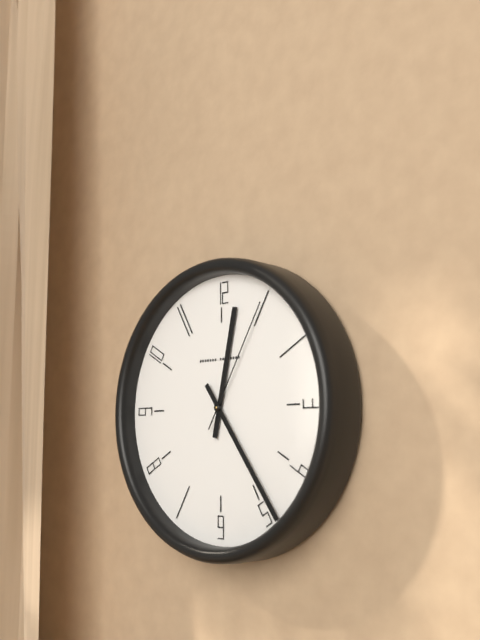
12:24:05
